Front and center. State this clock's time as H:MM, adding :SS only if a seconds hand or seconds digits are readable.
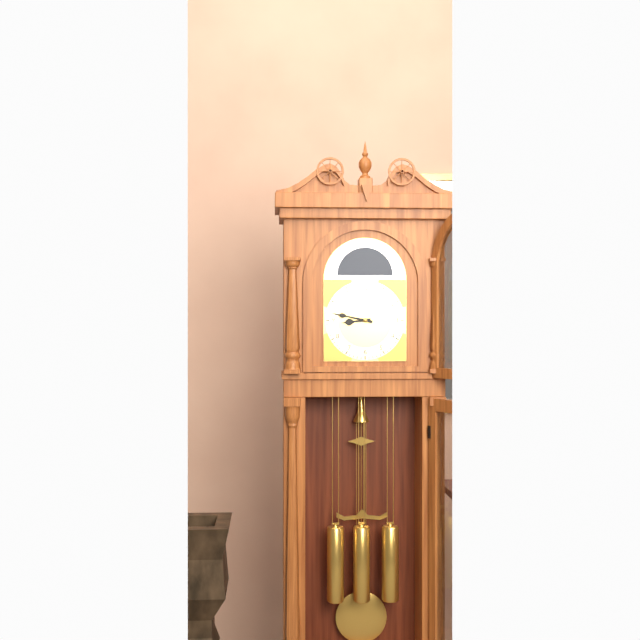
8:47
